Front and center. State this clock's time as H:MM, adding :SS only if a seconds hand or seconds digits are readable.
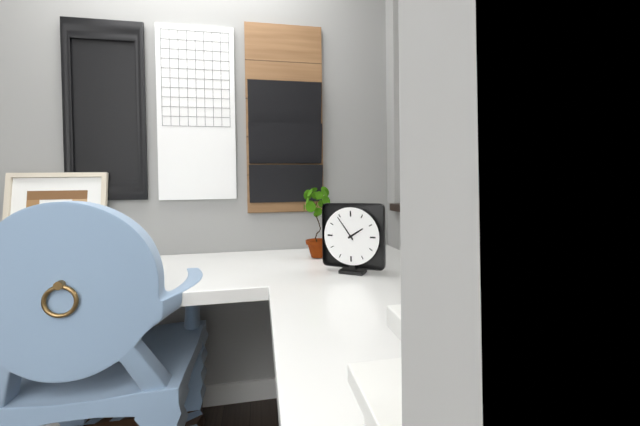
1:54
